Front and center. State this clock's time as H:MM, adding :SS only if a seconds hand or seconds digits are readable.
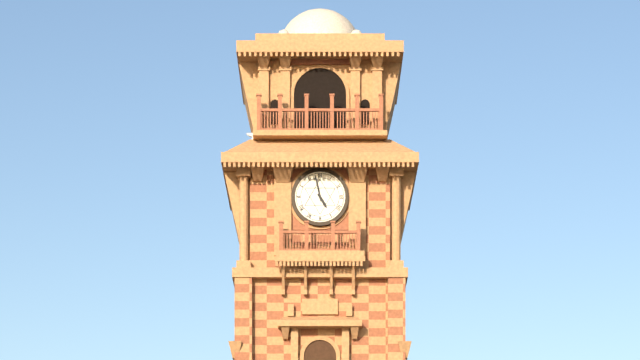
4:58
